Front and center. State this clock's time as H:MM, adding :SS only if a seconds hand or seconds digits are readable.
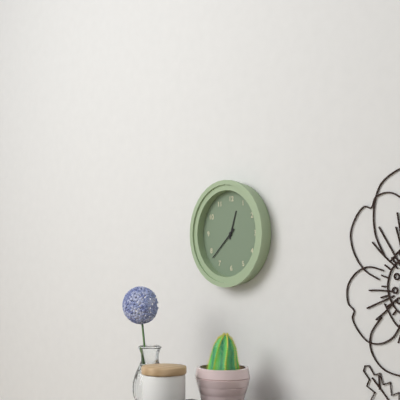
12:38
